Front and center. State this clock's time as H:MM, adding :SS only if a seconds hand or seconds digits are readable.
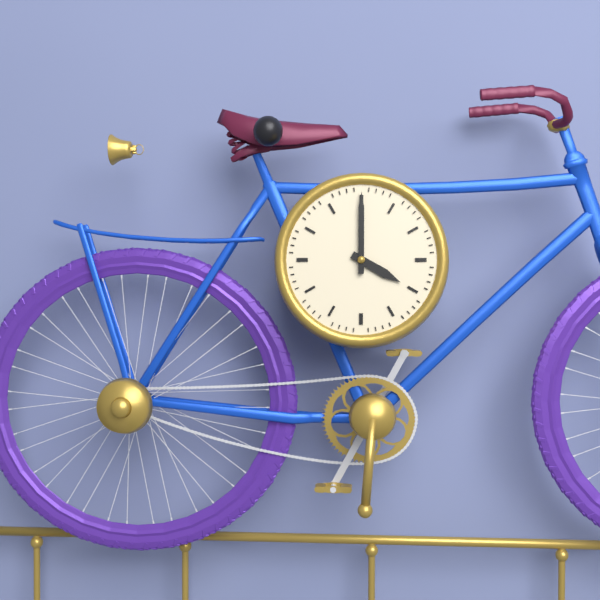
4:00
